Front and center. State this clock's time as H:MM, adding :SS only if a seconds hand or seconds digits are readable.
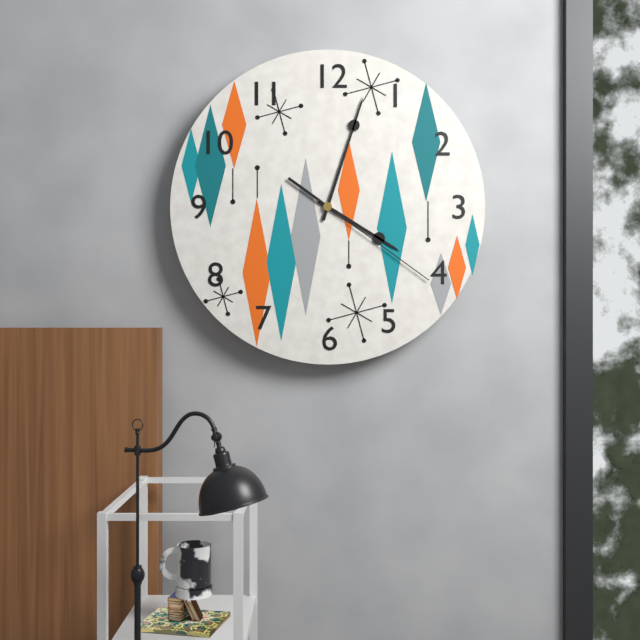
4:03:21
